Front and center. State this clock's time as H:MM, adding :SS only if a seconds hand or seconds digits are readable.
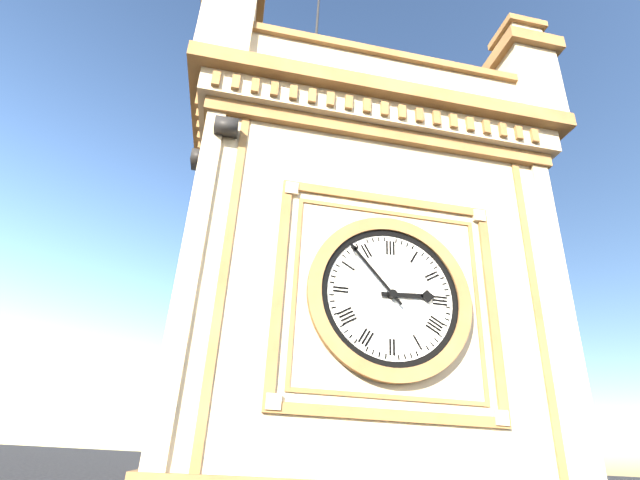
2:53
